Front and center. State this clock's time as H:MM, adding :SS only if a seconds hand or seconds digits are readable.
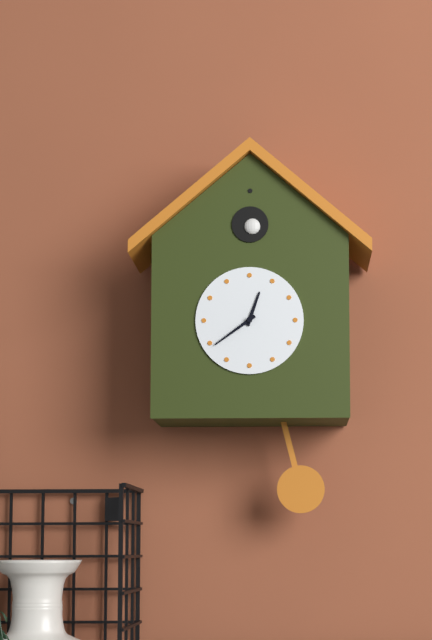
12:39
